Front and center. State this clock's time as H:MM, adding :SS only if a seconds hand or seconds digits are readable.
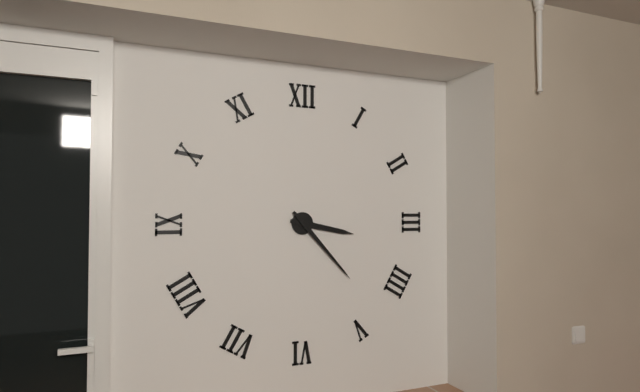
3:23
